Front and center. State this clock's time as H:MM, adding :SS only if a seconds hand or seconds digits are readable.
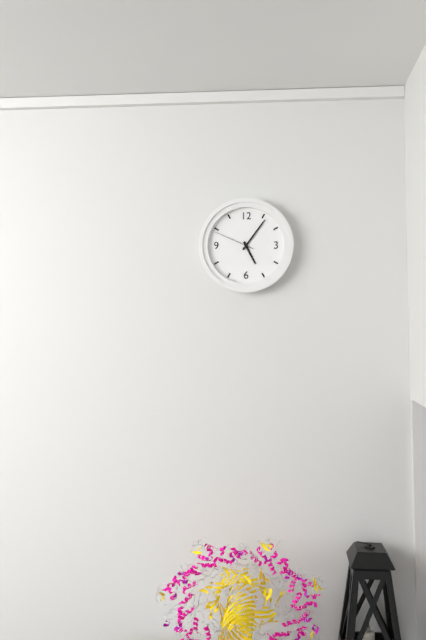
5:06
